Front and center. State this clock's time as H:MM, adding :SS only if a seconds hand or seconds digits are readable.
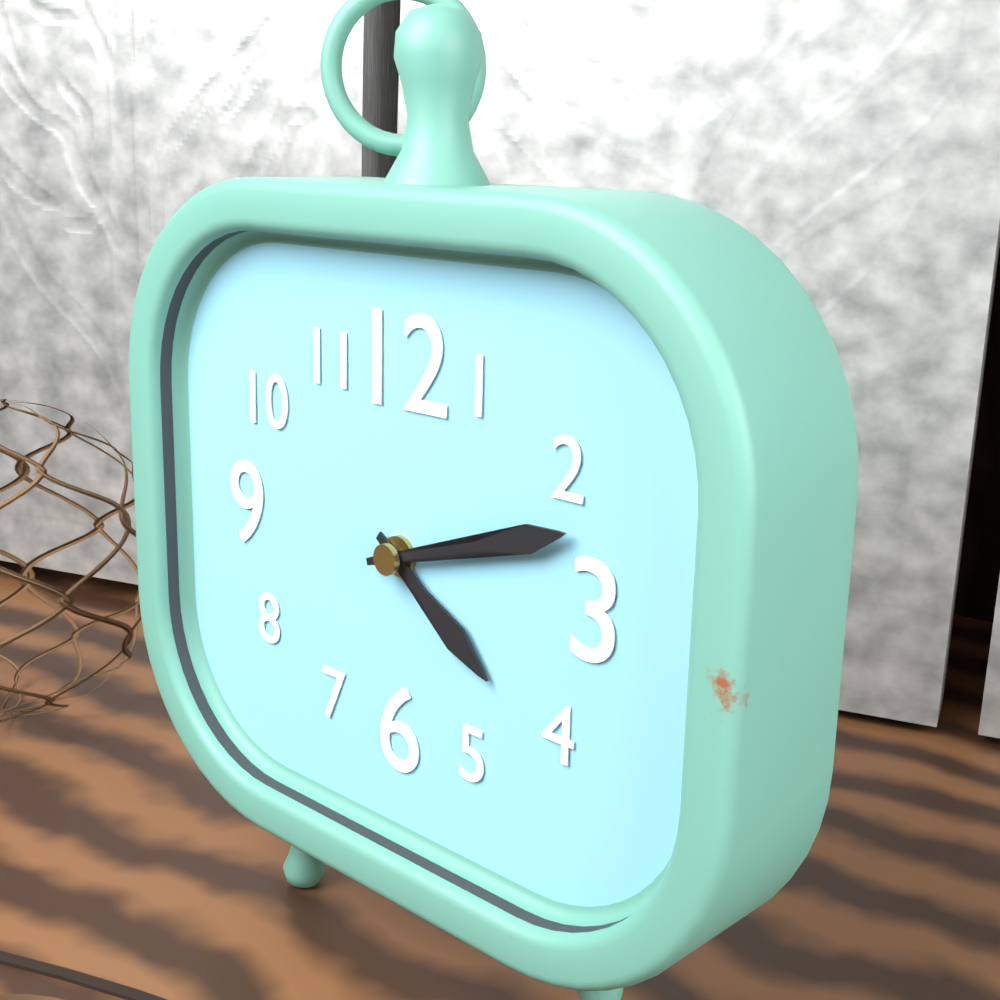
4:12
